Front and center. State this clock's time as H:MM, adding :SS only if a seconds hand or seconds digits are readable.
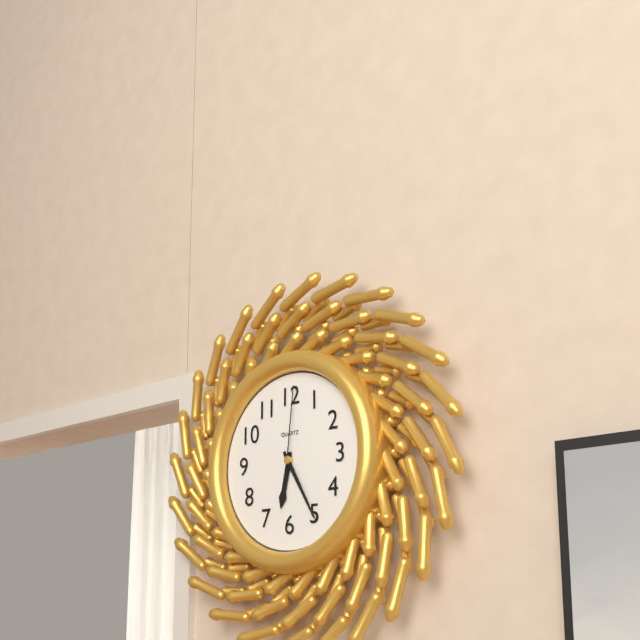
6:25:01
